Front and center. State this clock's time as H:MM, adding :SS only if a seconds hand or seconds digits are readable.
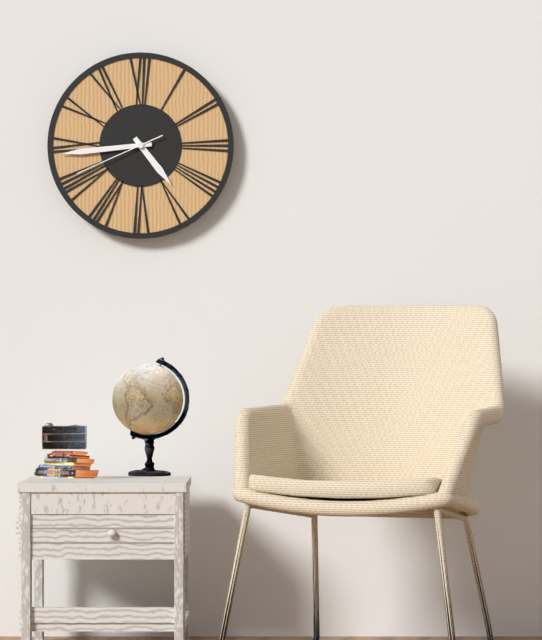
4:44:41
